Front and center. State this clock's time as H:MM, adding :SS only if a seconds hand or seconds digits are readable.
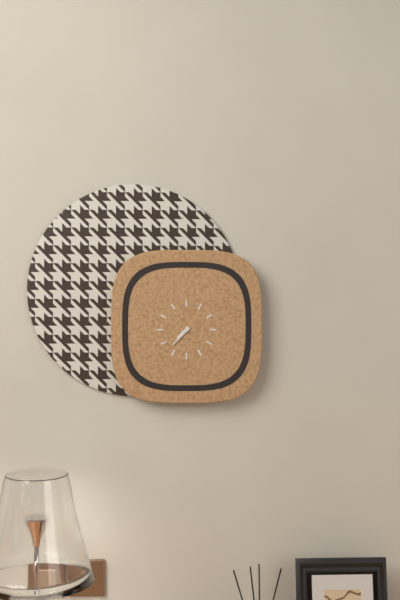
7:37
